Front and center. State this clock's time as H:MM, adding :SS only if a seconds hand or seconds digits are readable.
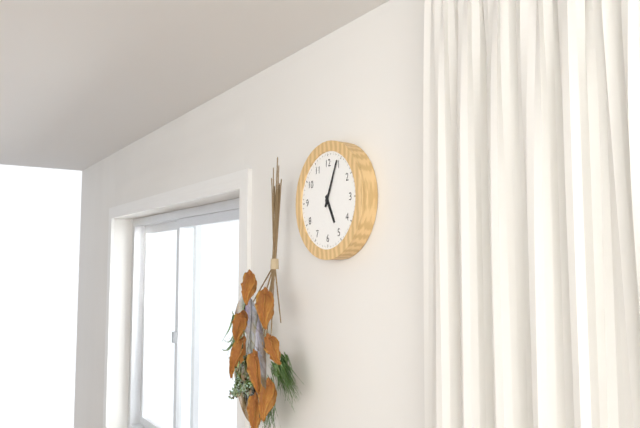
5:04
